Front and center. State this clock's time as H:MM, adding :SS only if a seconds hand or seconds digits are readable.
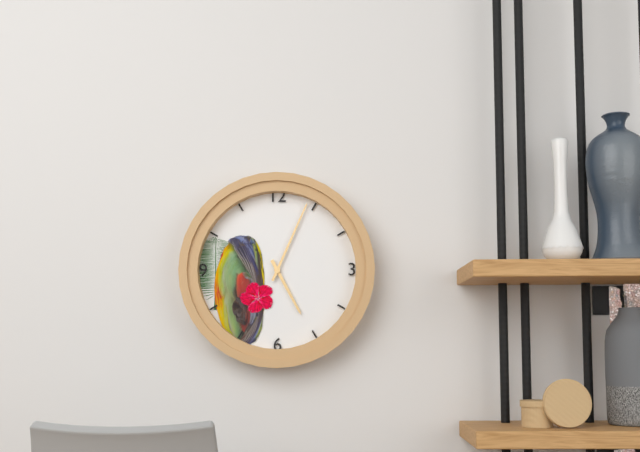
5:04
